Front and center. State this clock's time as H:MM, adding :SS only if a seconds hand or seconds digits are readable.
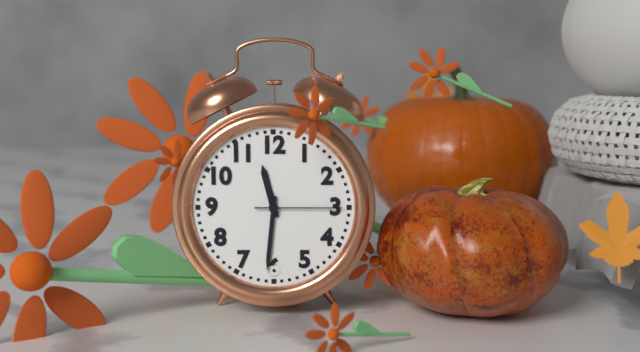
11:31:15
